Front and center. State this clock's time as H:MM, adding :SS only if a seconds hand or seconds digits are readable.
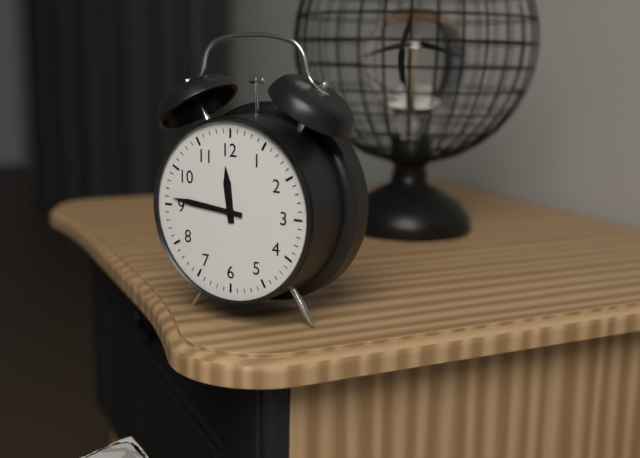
11:46
